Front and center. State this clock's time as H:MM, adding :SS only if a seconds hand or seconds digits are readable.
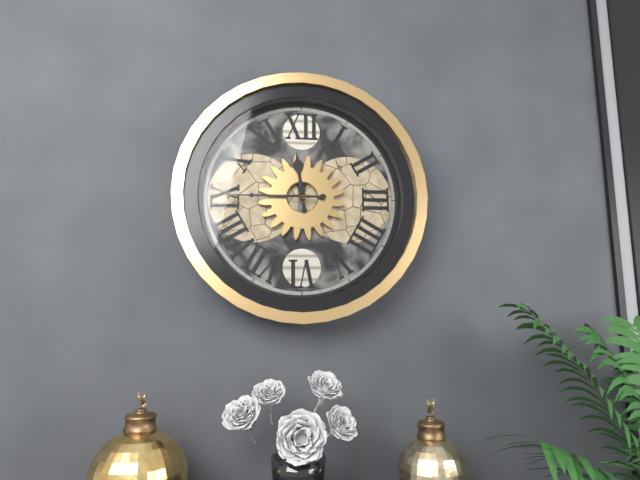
11:45
